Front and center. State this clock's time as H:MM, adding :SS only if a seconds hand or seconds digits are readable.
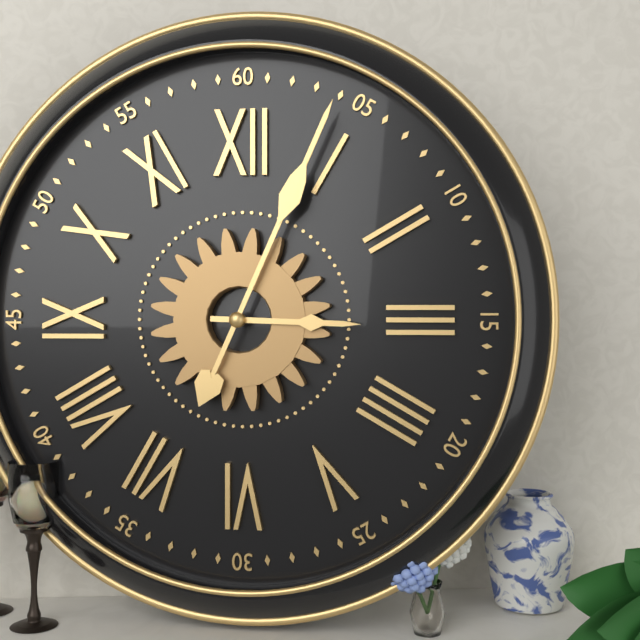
3:04
